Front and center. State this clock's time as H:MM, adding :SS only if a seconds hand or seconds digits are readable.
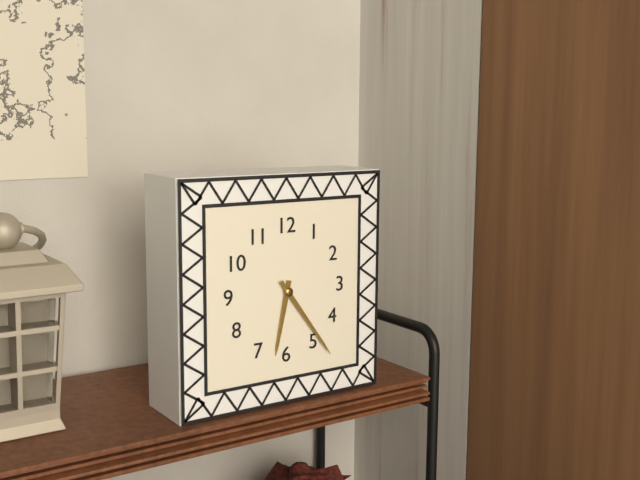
6:24
